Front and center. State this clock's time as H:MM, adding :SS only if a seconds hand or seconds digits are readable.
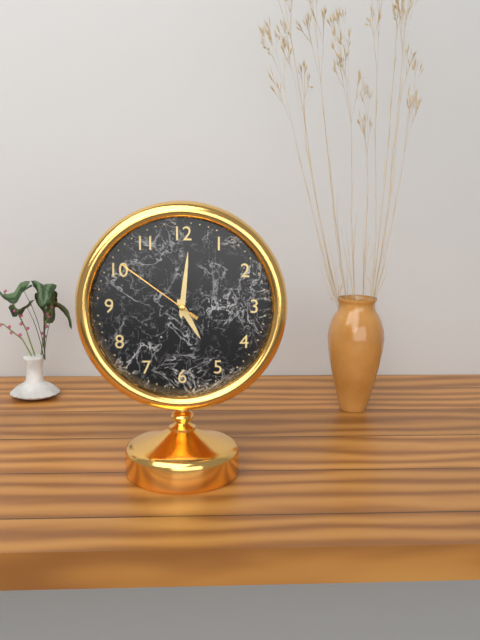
5:01:51
